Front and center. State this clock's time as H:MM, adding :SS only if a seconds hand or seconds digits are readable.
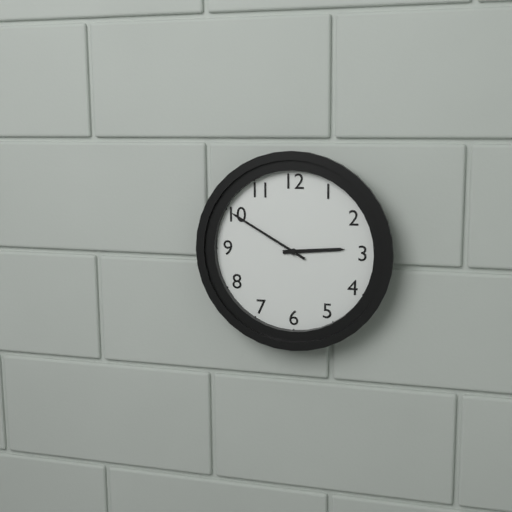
2:50
